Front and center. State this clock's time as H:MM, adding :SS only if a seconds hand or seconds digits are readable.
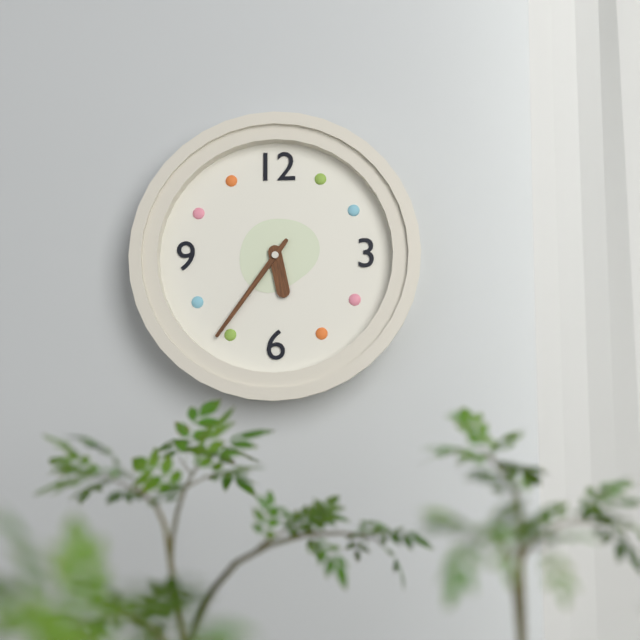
5:36
